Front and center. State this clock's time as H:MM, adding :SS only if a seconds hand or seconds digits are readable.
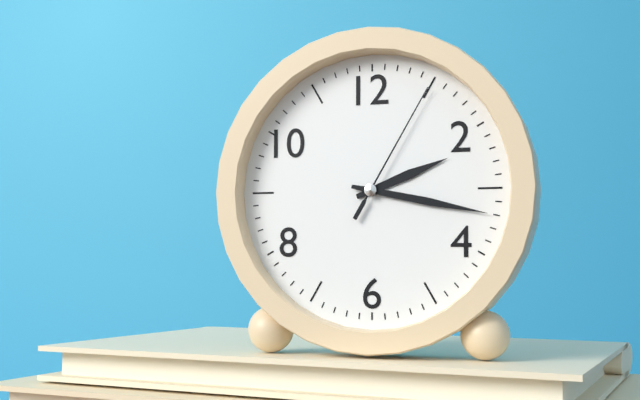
2:17:05
